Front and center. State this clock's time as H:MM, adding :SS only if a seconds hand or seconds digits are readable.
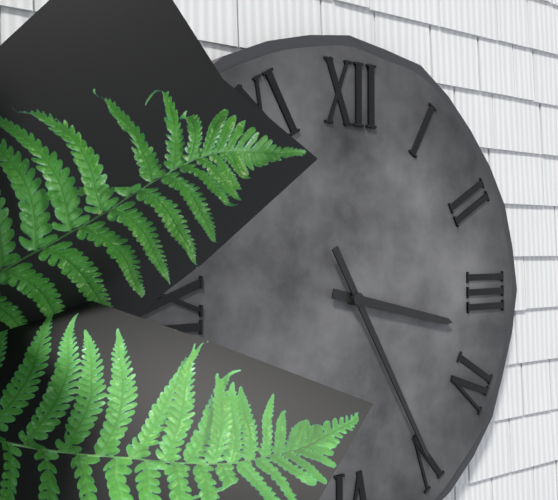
3:25
